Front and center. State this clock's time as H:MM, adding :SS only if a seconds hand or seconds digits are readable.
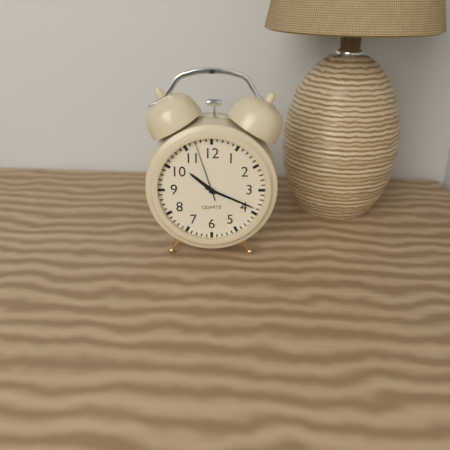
10:19:57
